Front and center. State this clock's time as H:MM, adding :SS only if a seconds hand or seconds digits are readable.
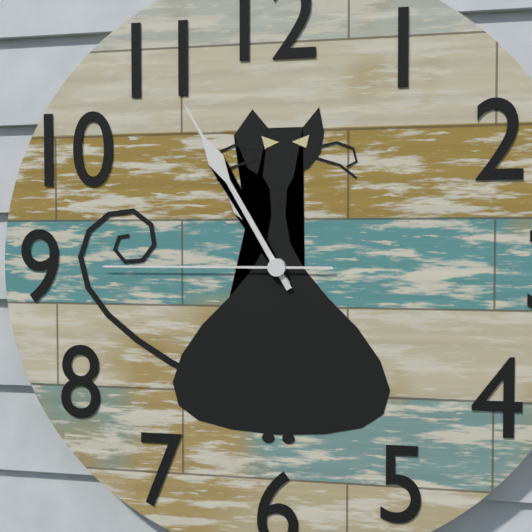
10:55:45
